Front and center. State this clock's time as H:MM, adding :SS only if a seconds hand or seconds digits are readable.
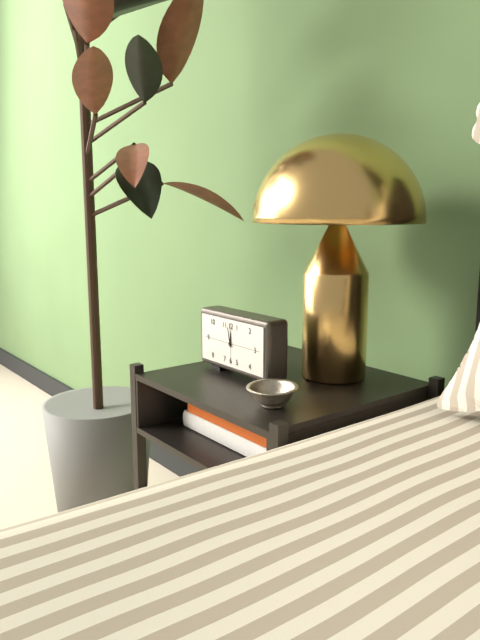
11:58
